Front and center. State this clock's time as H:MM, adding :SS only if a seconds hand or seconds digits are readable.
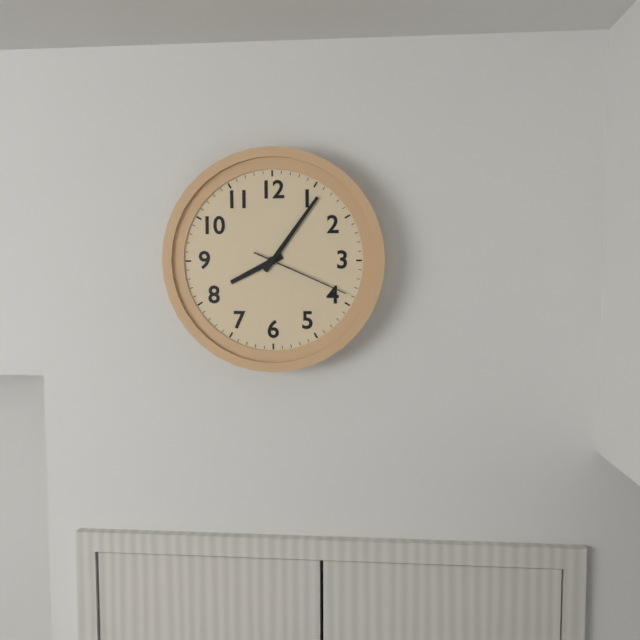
8:06:19
